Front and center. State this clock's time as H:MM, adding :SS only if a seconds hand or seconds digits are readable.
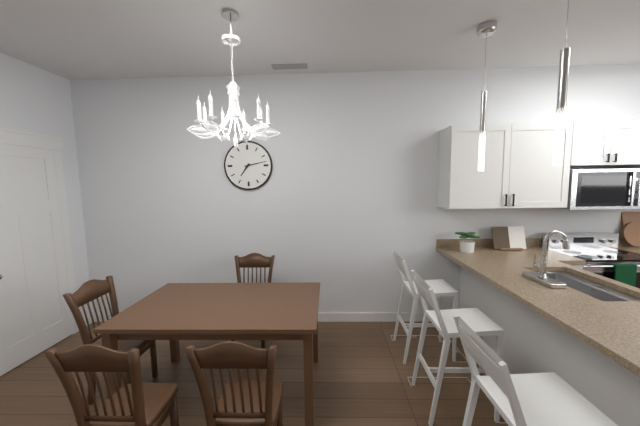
7:13
